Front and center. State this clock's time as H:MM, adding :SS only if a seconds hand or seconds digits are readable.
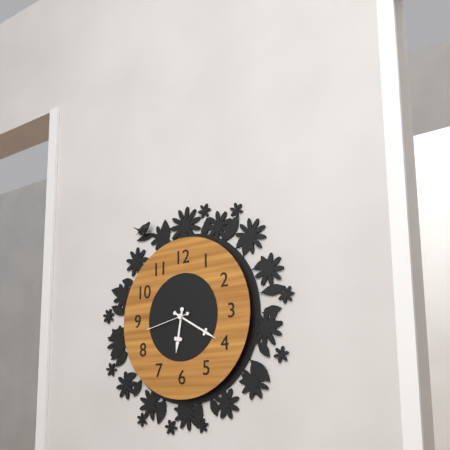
6:20
